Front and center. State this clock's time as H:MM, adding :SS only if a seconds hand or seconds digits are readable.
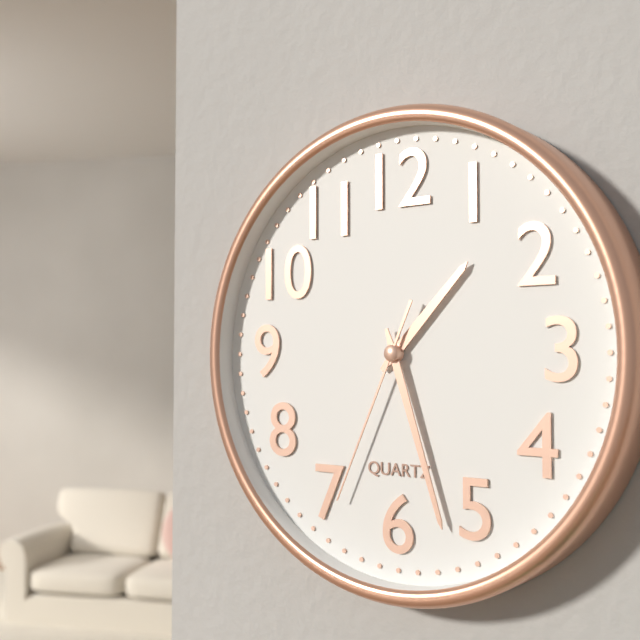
1:27:34
